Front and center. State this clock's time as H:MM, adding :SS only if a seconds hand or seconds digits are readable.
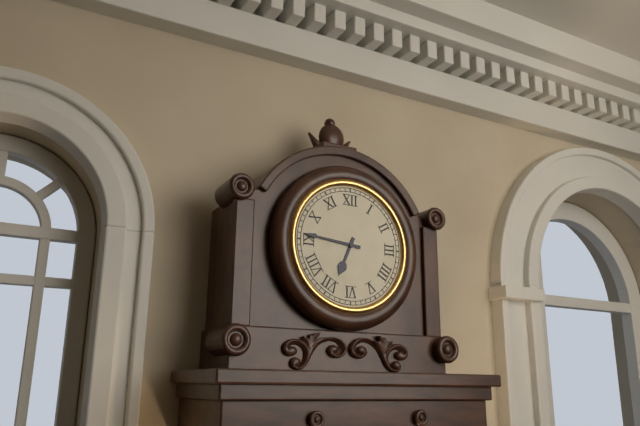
6:46
